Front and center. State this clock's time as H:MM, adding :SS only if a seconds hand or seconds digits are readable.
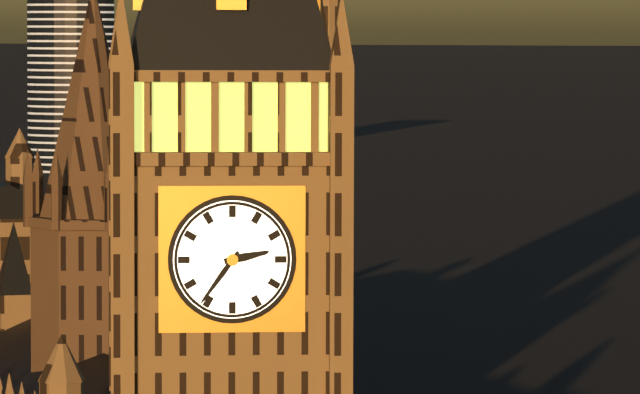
2:36
